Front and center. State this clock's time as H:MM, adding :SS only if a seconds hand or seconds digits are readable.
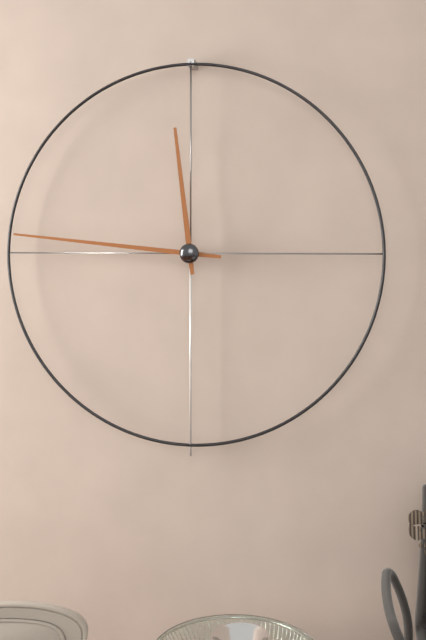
11:46
